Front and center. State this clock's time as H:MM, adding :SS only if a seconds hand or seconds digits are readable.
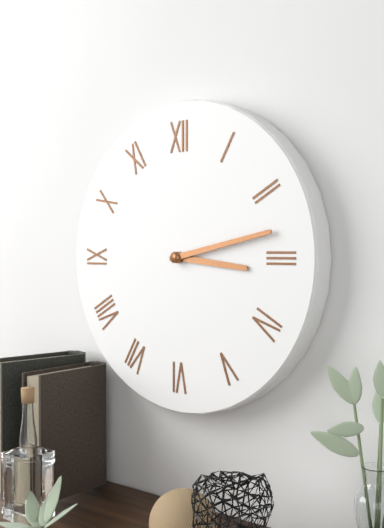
3:13
